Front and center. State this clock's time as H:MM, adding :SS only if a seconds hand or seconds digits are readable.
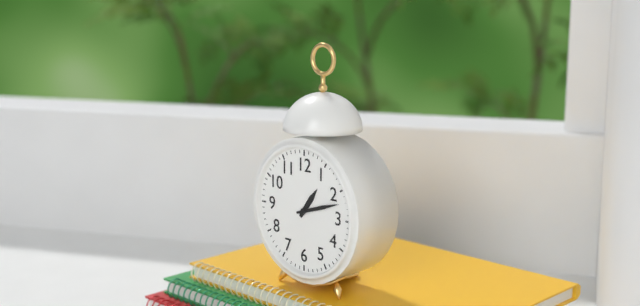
1:12
